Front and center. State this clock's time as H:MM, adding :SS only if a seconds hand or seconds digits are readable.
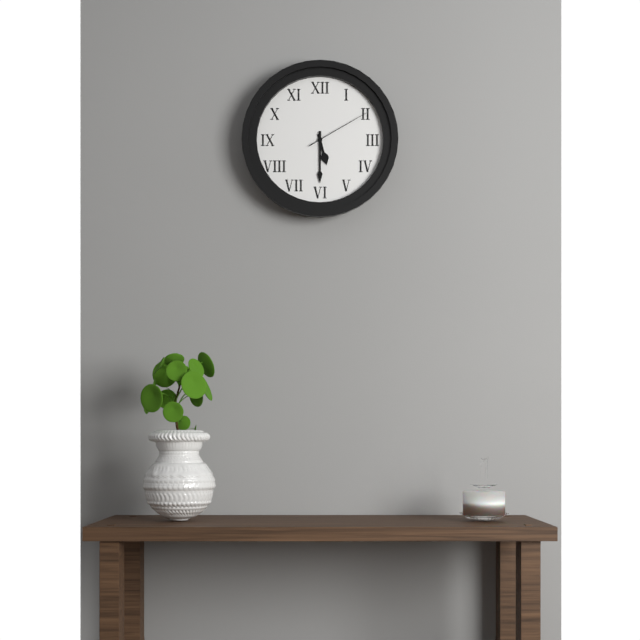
5:30:10
